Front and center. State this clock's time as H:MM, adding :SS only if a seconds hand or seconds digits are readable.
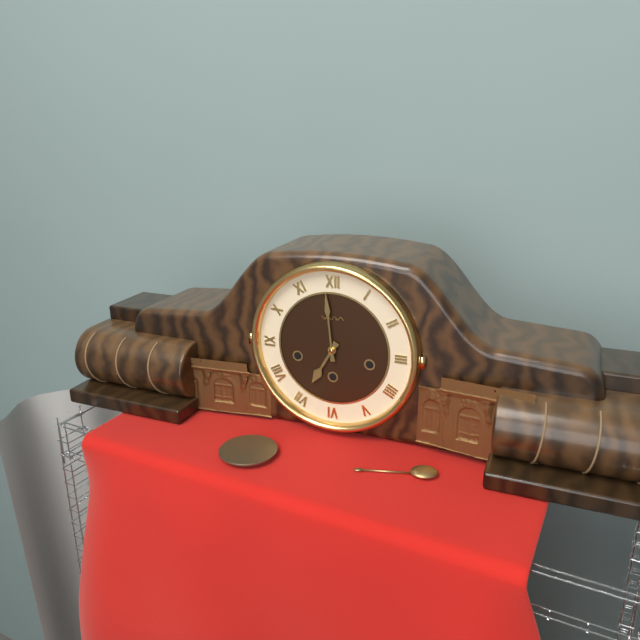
6:59
